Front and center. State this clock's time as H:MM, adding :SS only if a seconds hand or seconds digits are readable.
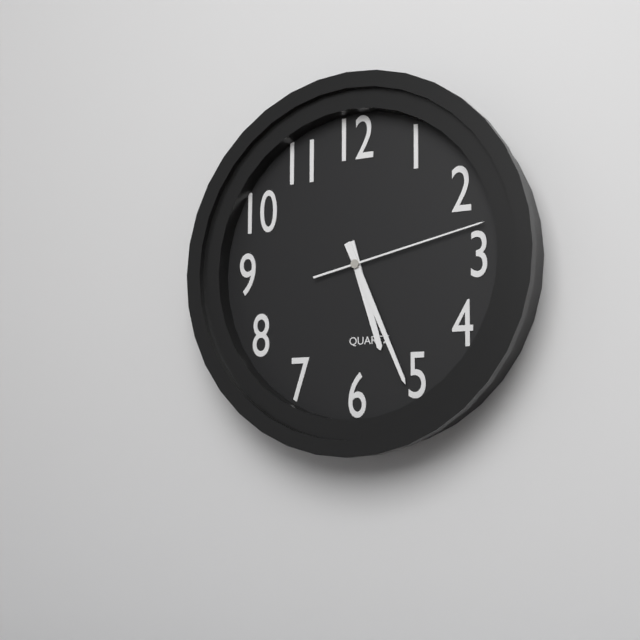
5:26:13
